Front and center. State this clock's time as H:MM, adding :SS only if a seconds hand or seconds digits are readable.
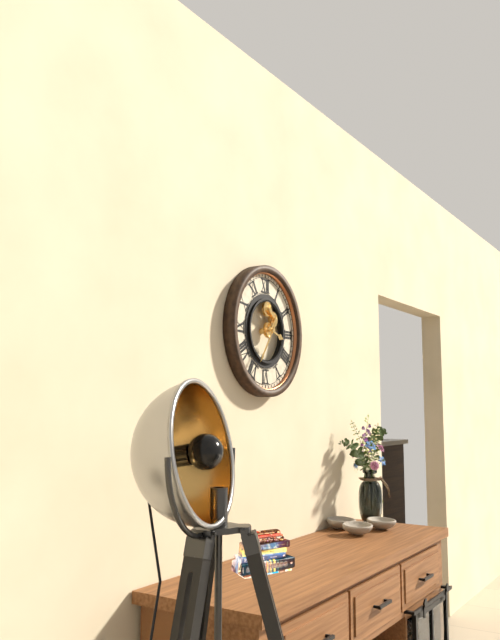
3:36
